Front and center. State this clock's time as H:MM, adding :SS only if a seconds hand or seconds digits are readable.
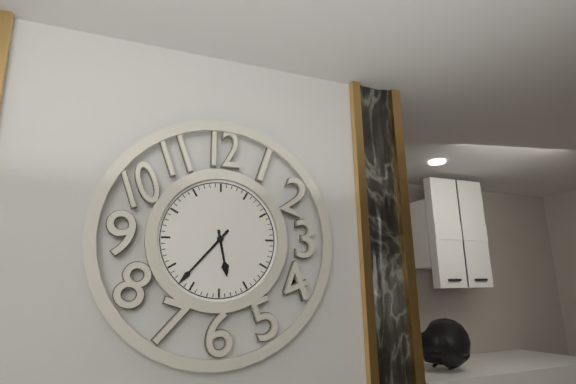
5:37
